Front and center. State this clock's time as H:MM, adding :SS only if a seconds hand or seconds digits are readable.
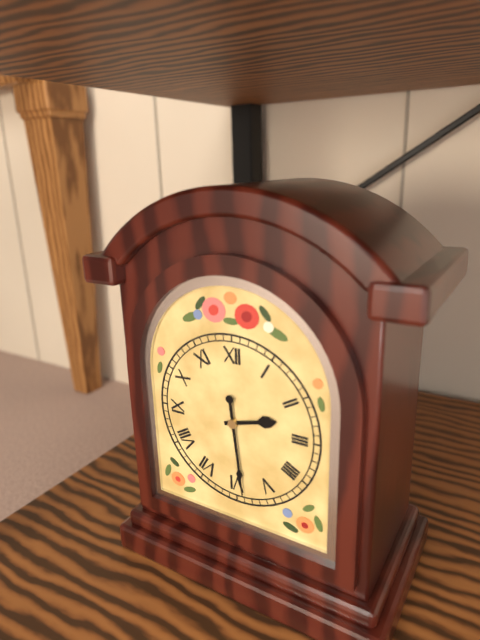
2:29
